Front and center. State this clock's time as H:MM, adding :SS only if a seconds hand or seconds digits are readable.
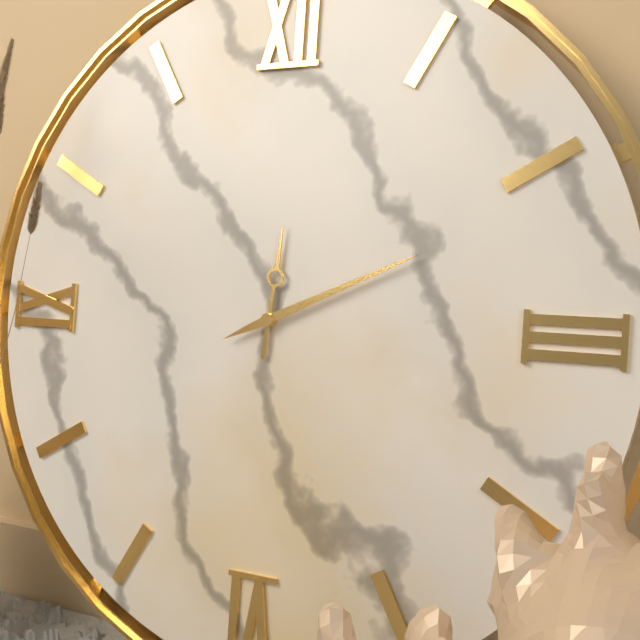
12:11
